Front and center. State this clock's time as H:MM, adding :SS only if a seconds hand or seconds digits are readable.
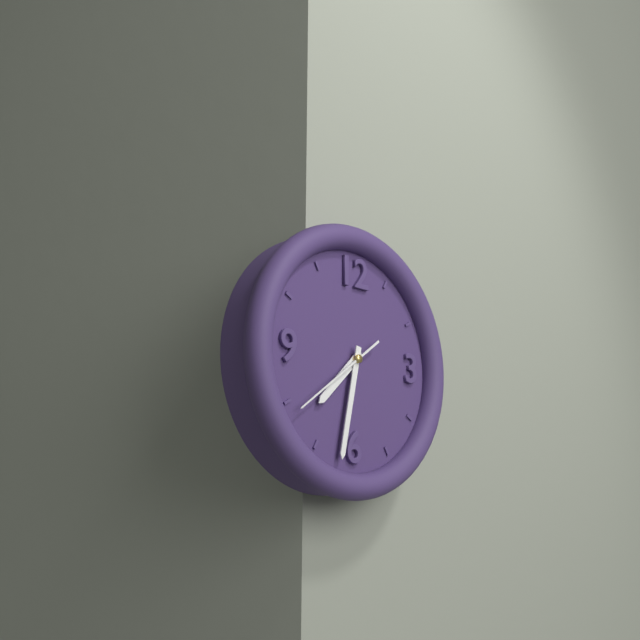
7:32:39
